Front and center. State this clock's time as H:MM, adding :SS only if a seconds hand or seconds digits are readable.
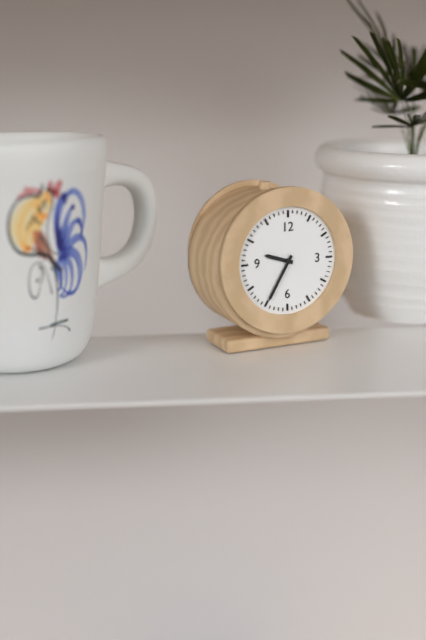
9:35
